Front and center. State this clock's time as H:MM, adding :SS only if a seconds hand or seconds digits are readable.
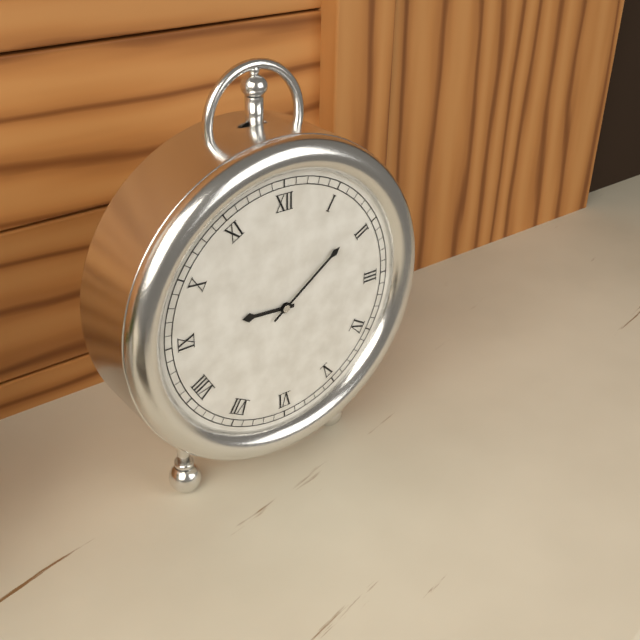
9:09
